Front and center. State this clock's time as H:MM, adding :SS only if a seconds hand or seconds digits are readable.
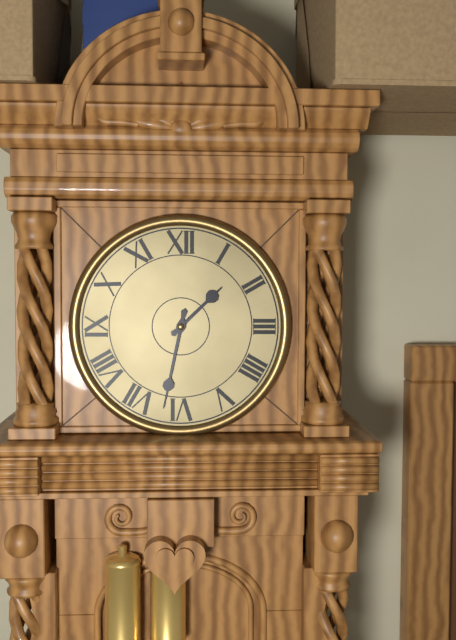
1:32
